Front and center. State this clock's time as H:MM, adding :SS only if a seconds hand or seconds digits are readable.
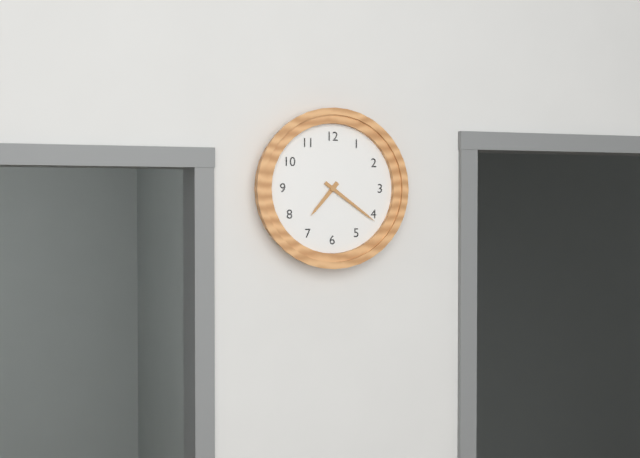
7:21
